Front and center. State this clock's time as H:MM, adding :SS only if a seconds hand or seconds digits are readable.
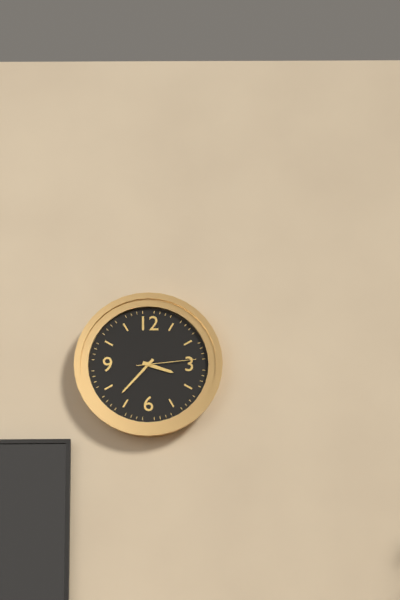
3:37:14
